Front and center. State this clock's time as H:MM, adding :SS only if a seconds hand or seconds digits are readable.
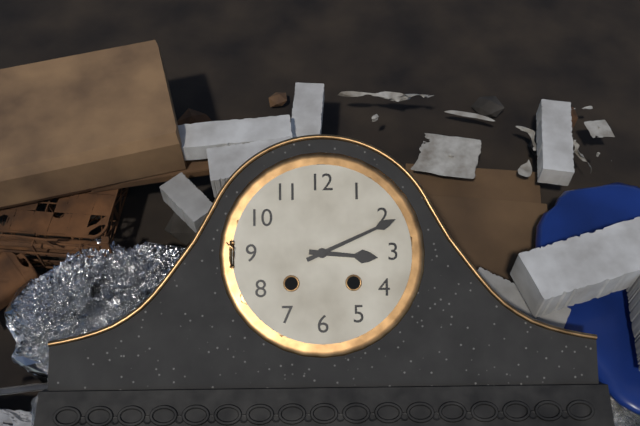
3:11
